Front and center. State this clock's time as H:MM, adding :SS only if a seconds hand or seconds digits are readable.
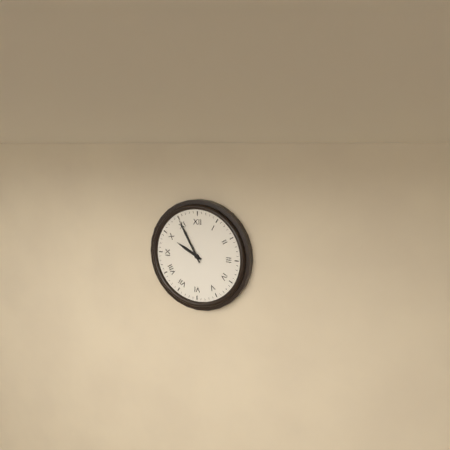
9:55
